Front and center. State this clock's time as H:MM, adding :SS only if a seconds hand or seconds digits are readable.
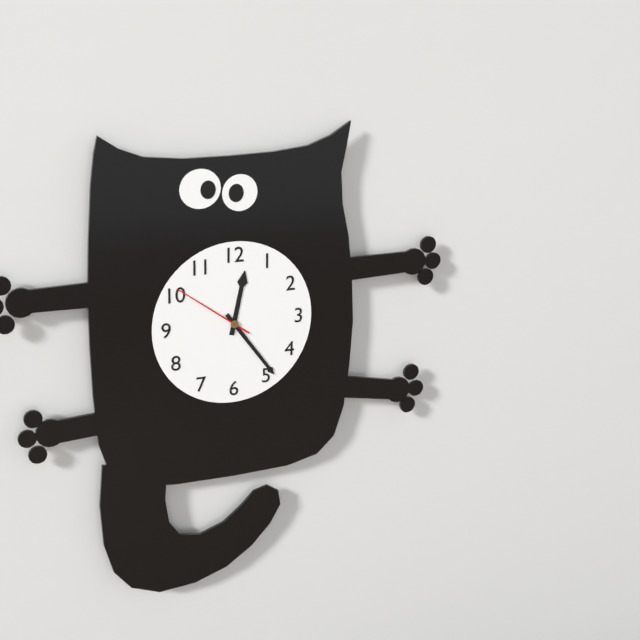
12:24:51
